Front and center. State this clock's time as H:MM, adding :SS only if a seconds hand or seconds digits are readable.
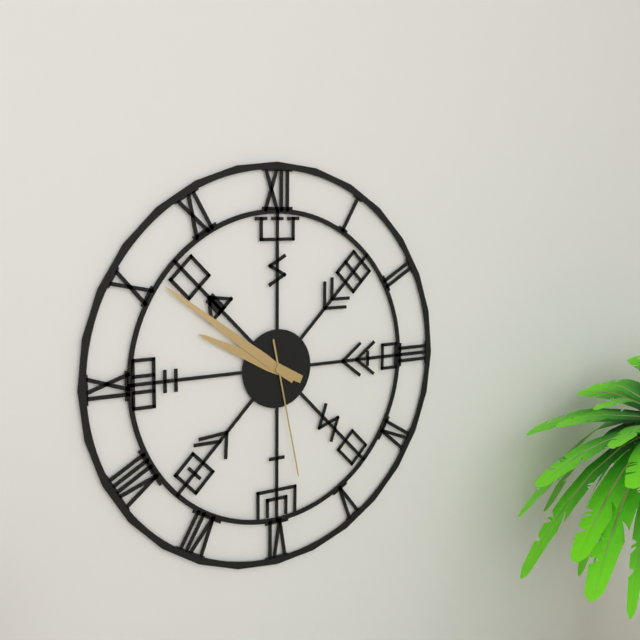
9:51:28
